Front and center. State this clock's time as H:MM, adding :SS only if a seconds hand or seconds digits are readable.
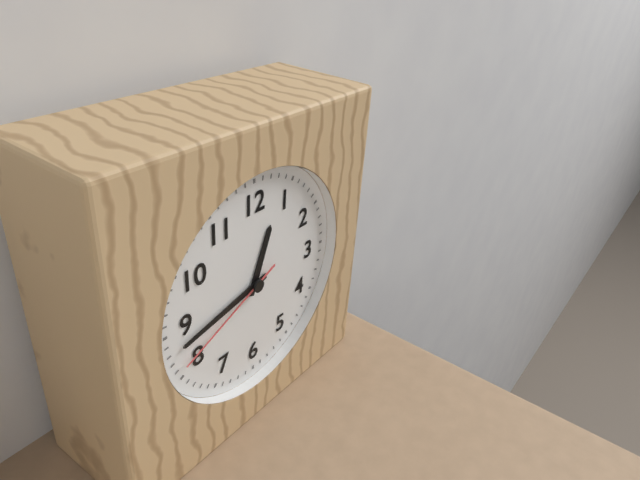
12:43:41
